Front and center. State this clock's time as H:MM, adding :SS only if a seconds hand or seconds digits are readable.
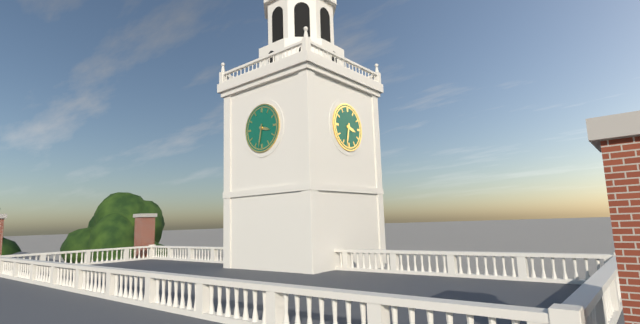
3:32
